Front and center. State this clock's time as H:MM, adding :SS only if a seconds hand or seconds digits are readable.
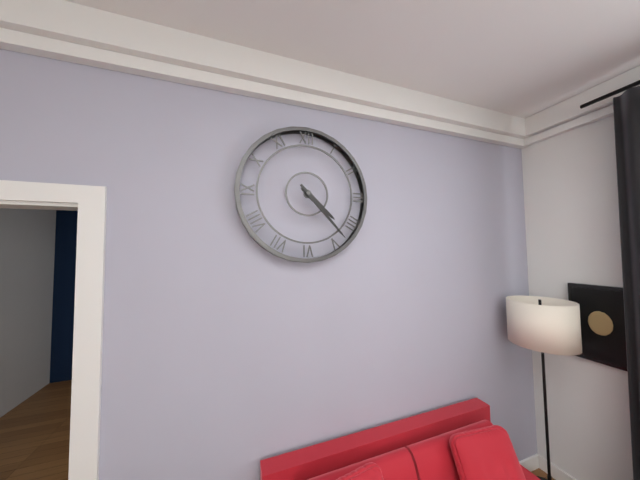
4:23
